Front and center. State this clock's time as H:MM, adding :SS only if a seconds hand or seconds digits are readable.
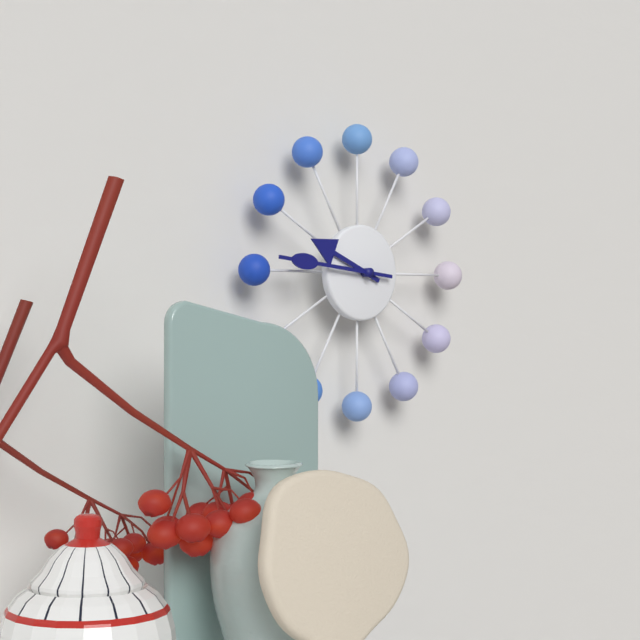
9:46
